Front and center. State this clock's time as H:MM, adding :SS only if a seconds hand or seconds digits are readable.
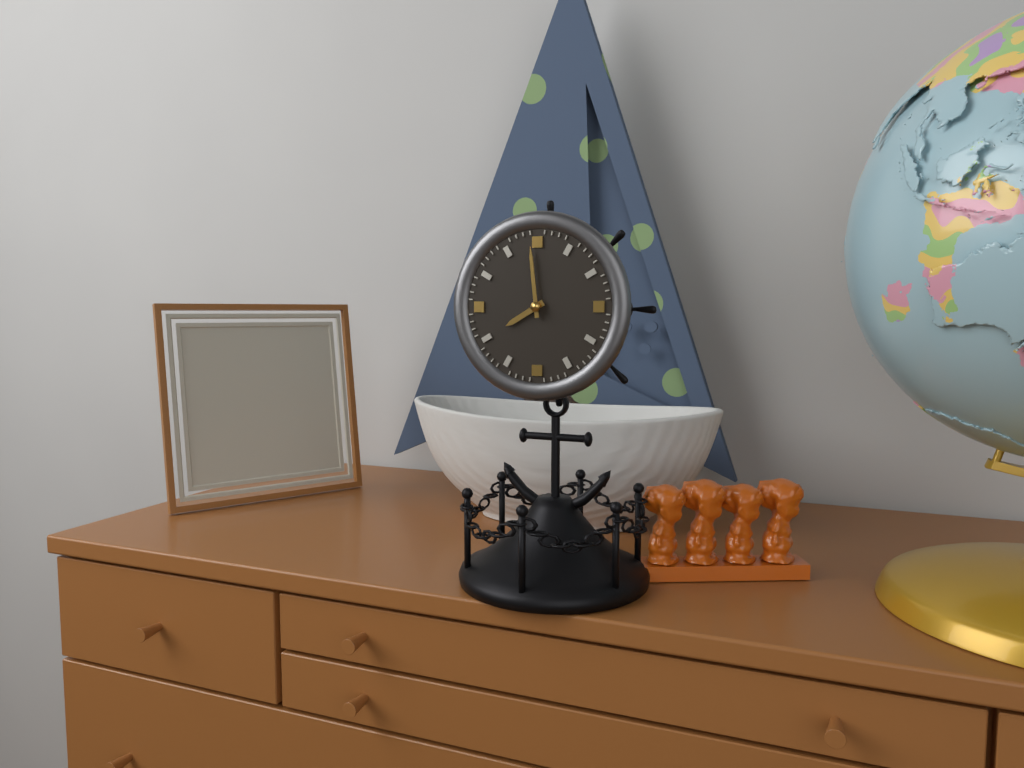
7:59
